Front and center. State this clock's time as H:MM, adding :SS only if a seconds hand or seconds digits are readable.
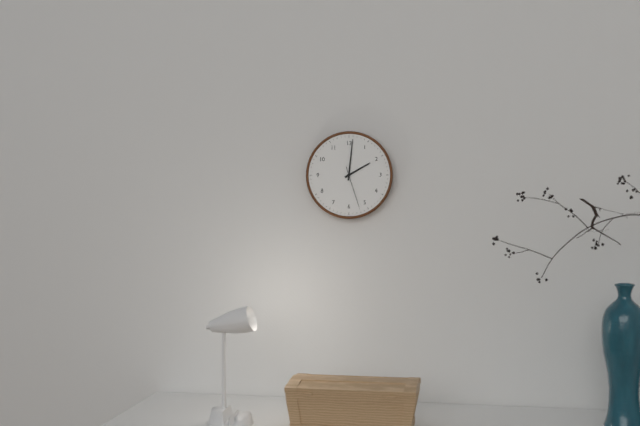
2:01
